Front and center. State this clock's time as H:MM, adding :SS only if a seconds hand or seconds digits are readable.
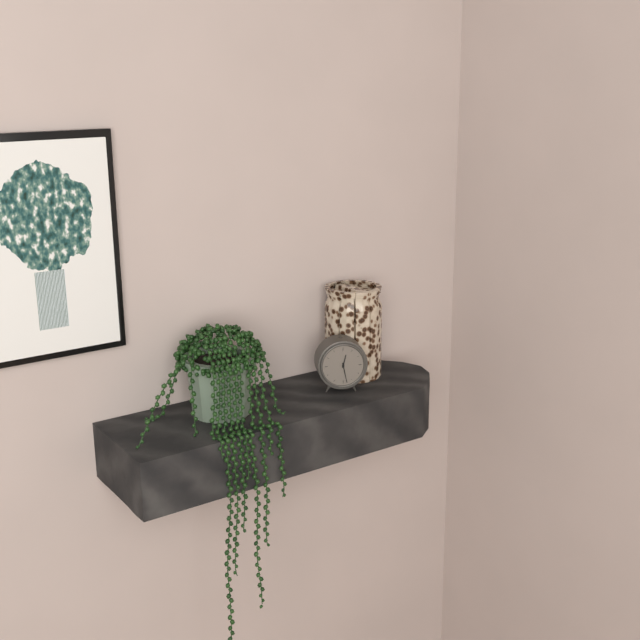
12:28
